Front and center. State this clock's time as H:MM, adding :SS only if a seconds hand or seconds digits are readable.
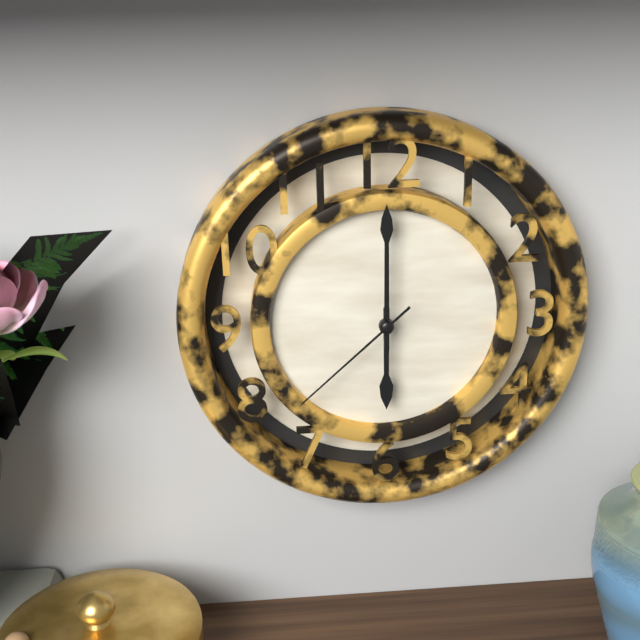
6:00:38
